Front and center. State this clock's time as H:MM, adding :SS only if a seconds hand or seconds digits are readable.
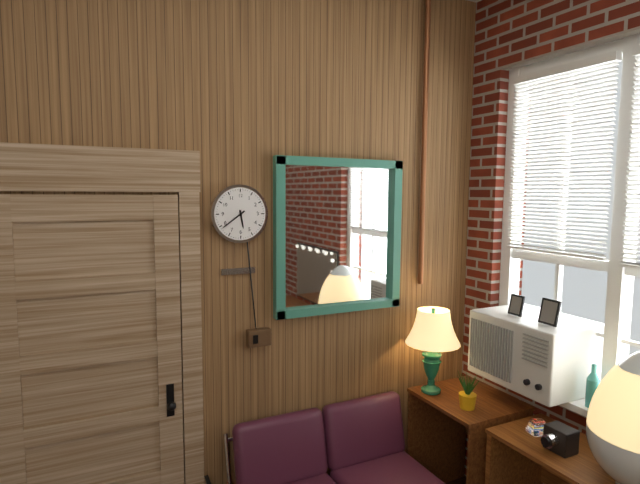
5:39
